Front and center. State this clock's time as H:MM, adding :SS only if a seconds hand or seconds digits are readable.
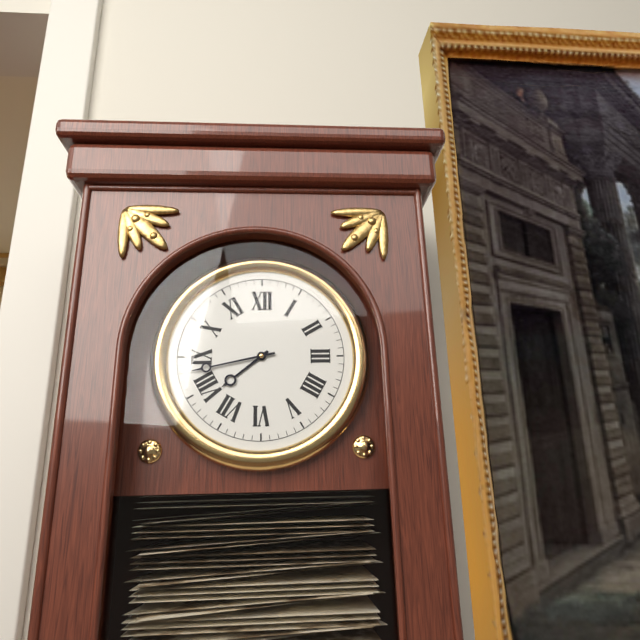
7:43
